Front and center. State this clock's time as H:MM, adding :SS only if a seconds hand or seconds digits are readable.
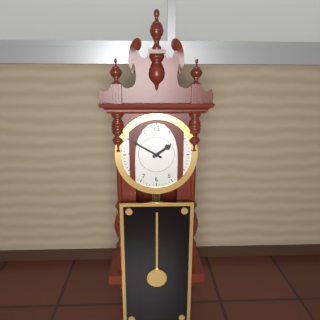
1:50
